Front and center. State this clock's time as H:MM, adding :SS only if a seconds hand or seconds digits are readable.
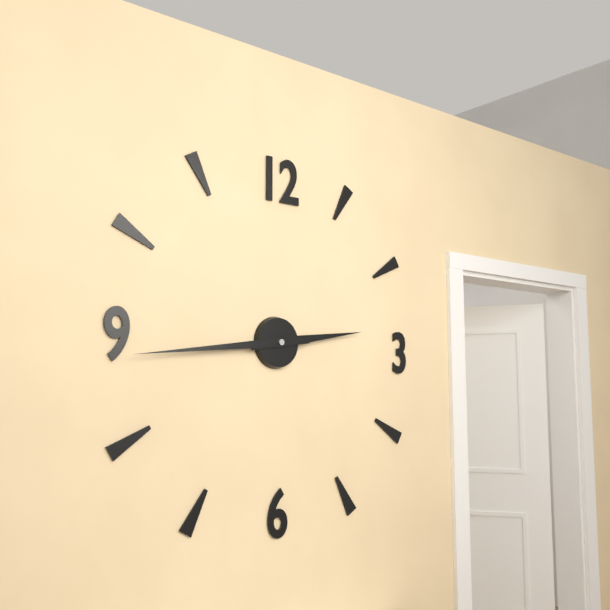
2:44
